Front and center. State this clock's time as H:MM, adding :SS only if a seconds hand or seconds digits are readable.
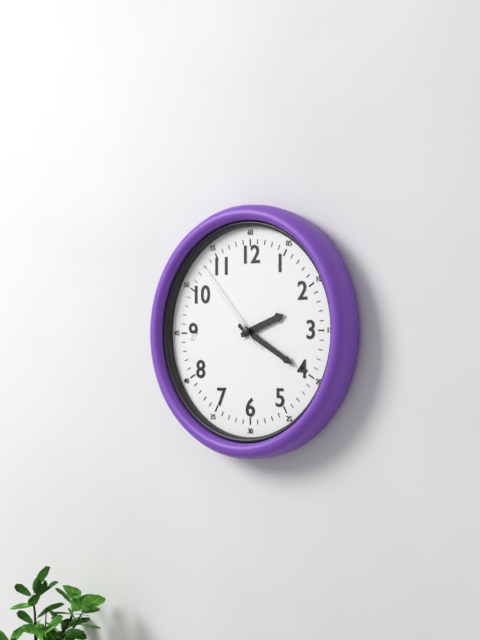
2:20:53
